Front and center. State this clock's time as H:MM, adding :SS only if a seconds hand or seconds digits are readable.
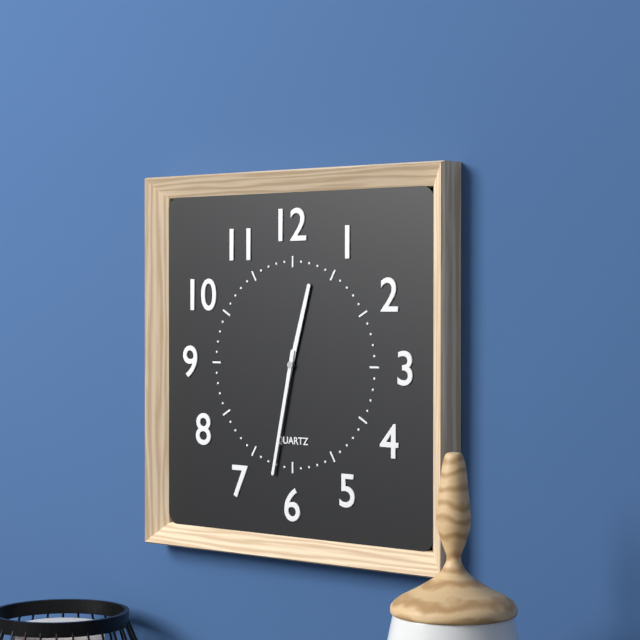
12:32
